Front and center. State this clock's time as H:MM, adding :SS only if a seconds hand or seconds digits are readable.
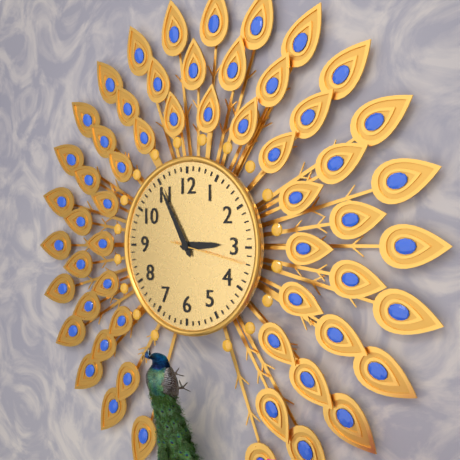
2:55:17
